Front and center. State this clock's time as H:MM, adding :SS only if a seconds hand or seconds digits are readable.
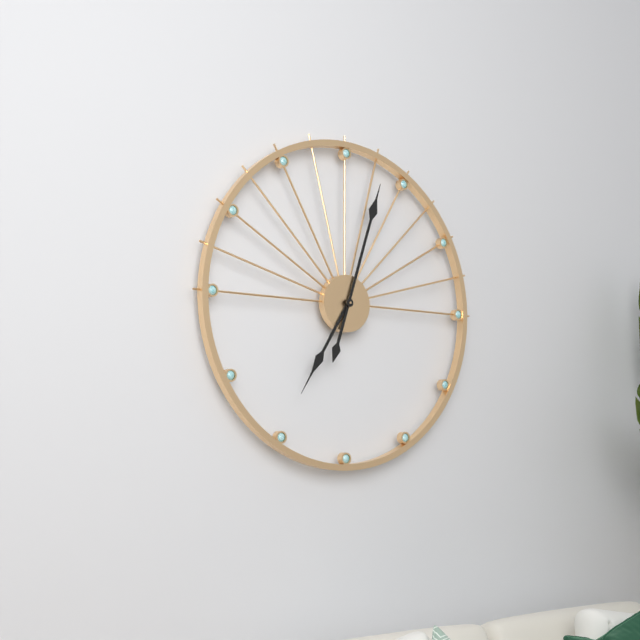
7:03
